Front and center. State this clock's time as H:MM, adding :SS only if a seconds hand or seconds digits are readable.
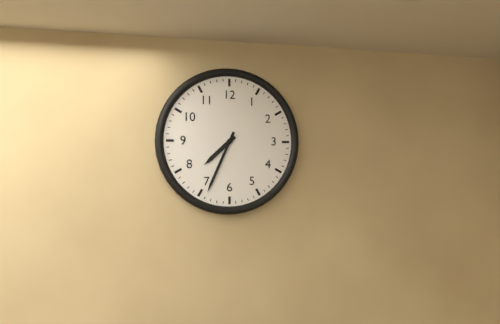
7:34
